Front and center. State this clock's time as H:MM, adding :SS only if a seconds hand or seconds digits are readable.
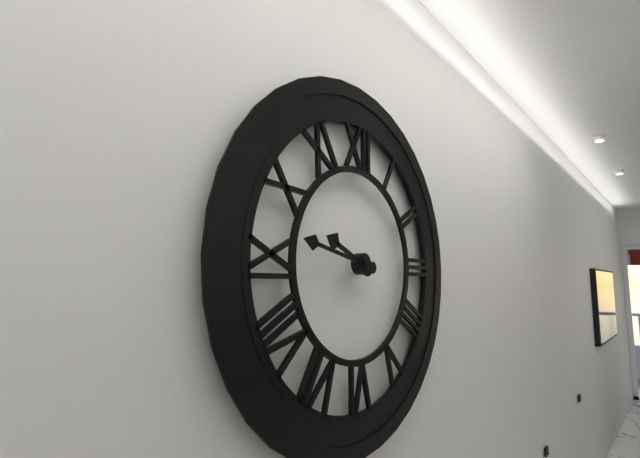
9:47
